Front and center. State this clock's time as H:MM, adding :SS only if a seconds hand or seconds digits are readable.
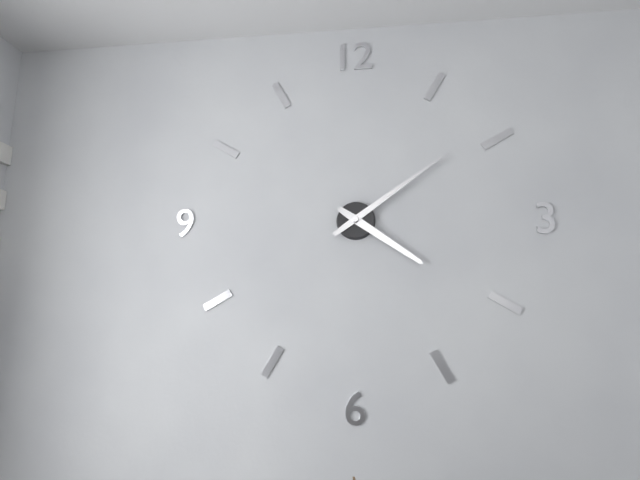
4:09
